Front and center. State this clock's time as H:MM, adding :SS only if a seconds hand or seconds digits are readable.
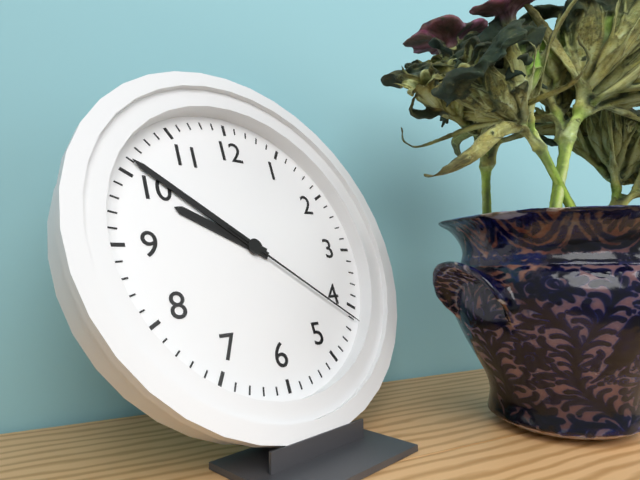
9:51:21
